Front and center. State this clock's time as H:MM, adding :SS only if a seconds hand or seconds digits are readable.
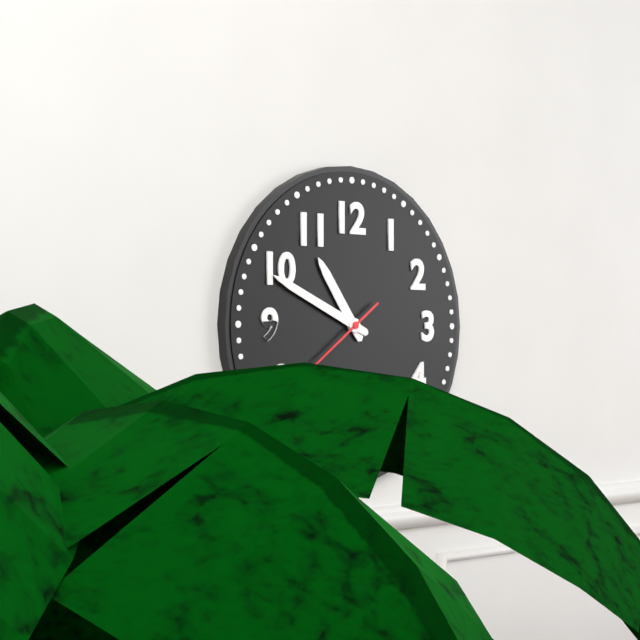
10:49
